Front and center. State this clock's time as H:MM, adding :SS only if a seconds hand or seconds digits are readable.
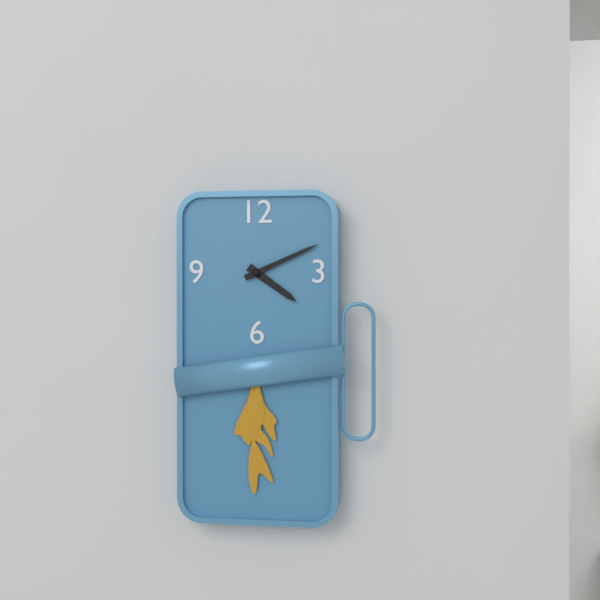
4:11
